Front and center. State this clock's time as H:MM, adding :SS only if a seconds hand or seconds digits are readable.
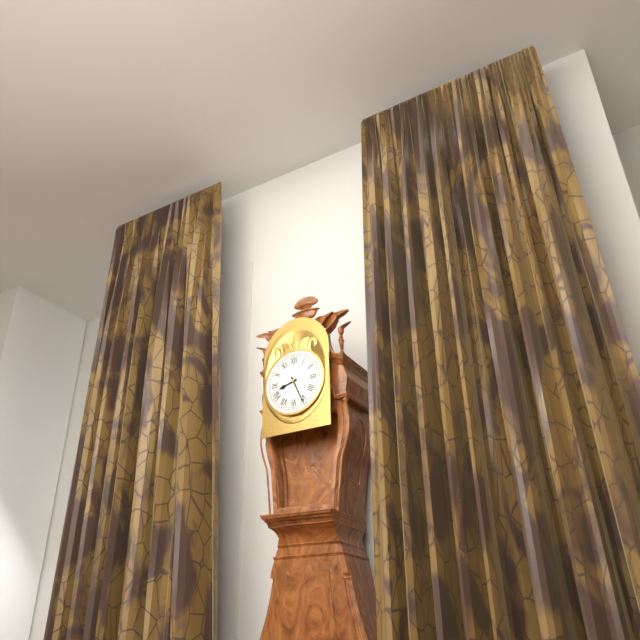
8:26
